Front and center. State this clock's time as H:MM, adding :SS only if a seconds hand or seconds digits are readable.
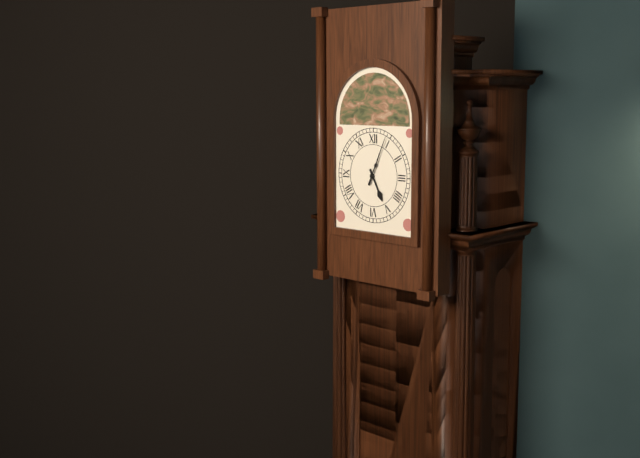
5:04
